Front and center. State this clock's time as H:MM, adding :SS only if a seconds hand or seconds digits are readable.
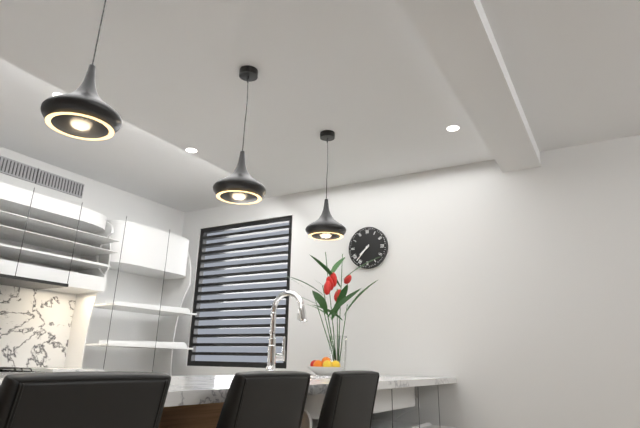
7:37
